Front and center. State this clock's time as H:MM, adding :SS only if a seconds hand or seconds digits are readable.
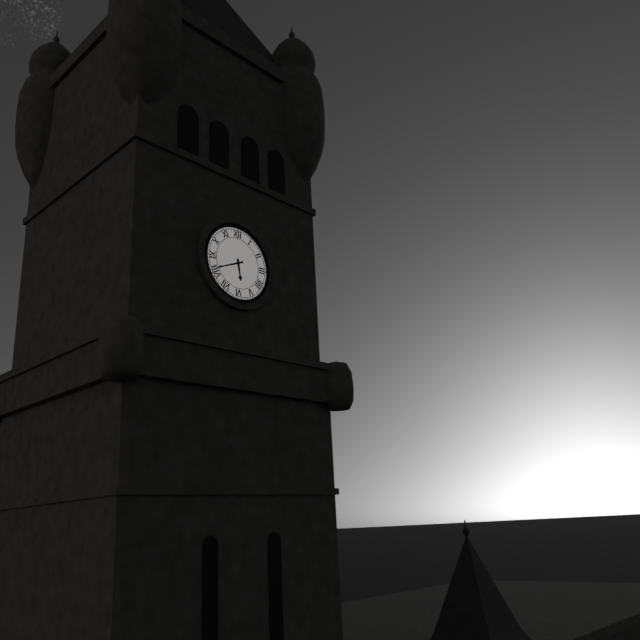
5:41
